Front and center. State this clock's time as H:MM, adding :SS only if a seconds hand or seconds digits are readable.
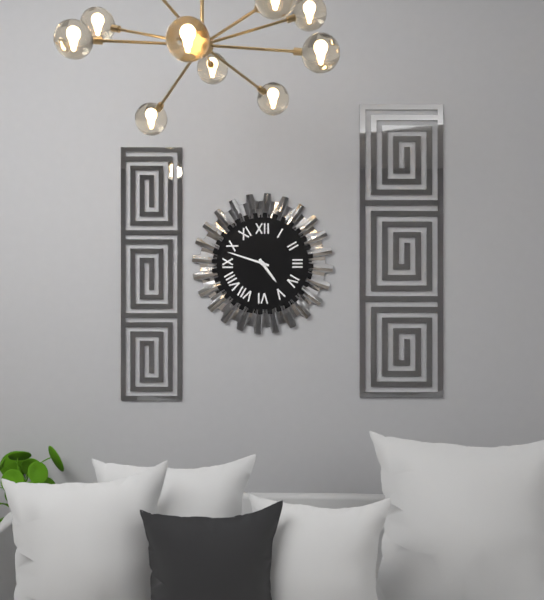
4:48
